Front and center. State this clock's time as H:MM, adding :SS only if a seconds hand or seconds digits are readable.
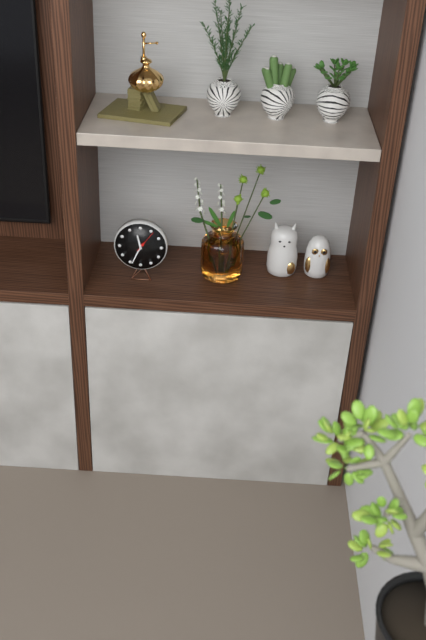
11:34
